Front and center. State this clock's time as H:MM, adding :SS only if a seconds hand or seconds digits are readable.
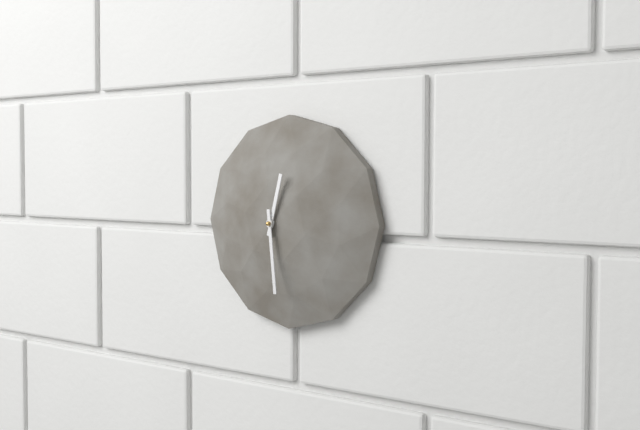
12:29
